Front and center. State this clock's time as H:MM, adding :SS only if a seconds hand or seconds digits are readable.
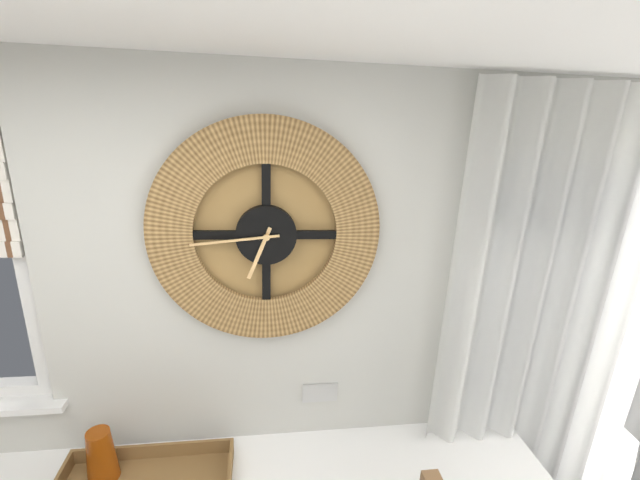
6:44
